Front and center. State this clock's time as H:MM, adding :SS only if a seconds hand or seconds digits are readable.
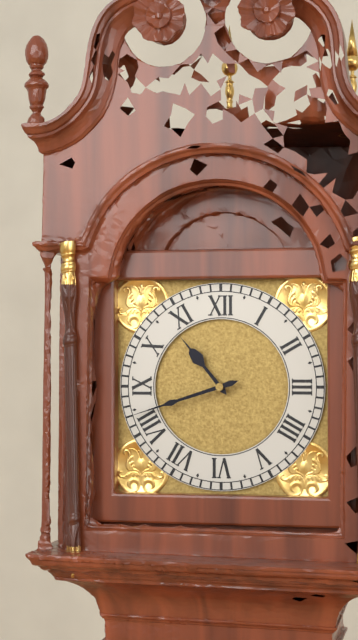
10:42
